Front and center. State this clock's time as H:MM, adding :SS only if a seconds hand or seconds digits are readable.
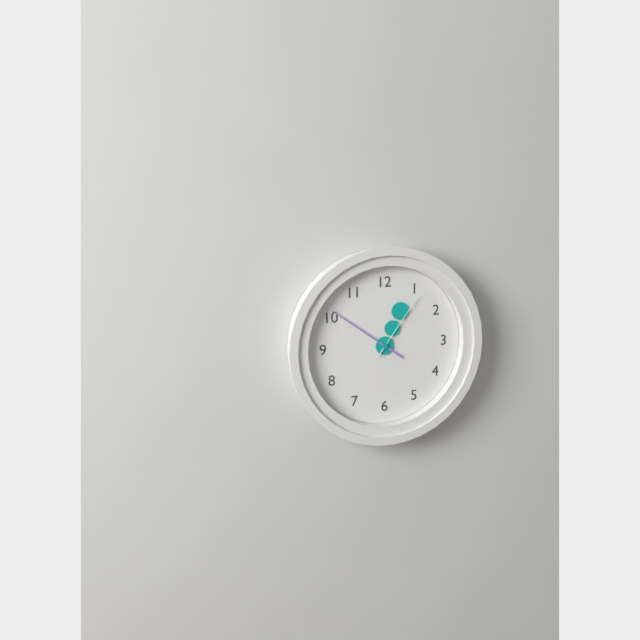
12:51:06
